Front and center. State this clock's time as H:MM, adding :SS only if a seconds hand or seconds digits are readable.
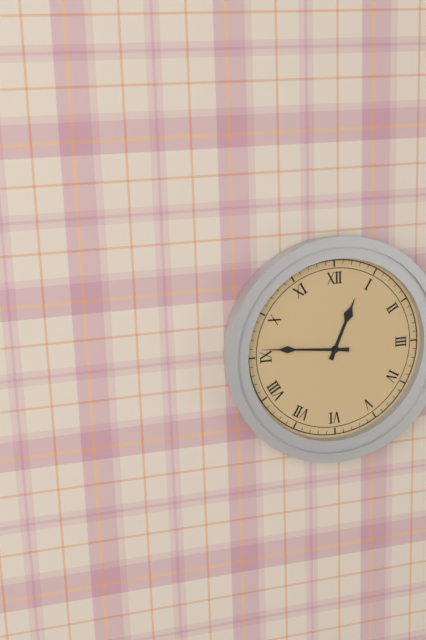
12:46
